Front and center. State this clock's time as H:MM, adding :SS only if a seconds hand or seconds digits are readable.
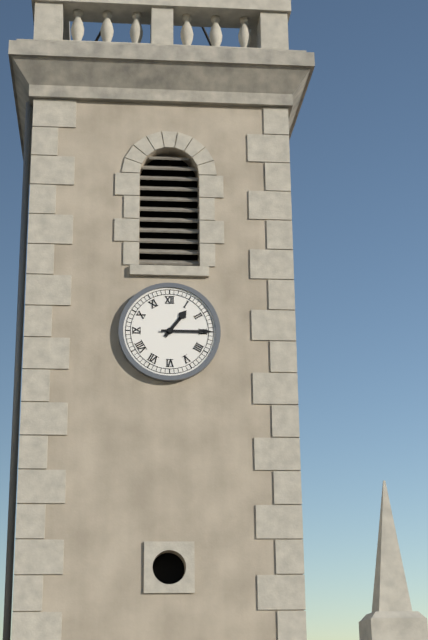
1:15
